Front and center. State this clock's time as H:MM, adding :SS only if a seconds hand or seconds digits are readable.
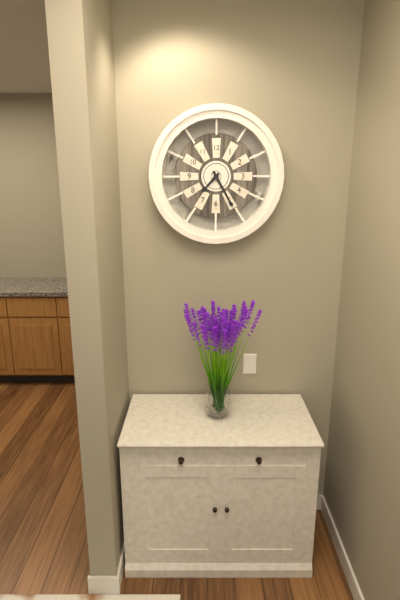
7:25
